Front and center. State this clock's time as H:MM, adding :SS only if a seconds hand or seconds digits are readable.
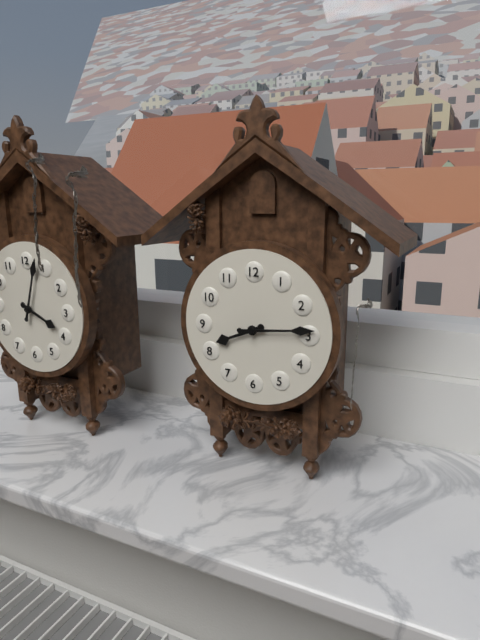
8:14
